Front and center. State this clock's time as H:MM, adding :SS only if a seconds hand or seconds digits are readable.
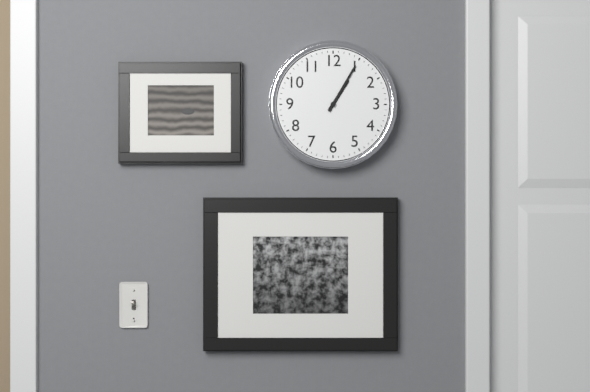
1:05
